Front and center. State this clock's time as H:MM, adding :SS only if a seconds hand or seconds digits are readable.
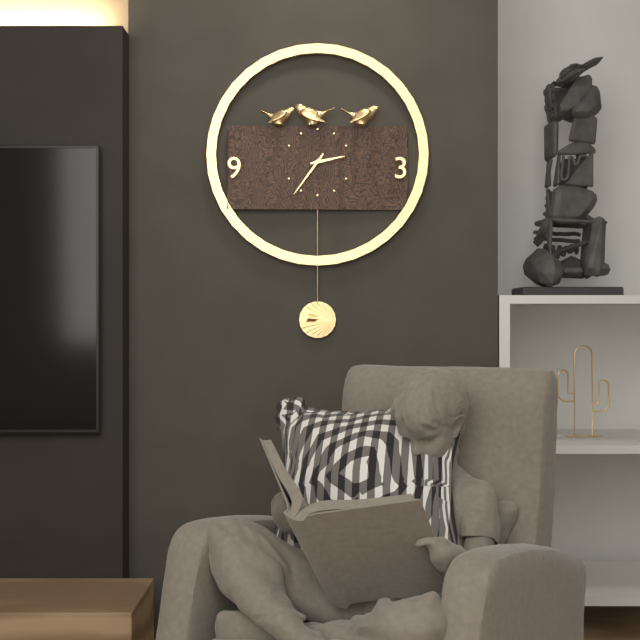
2:36
